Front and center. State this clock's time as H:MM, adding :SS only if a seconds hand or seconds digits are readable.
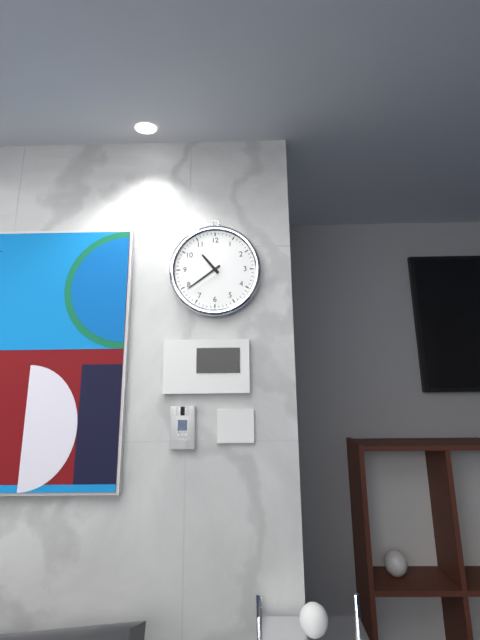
10:39
